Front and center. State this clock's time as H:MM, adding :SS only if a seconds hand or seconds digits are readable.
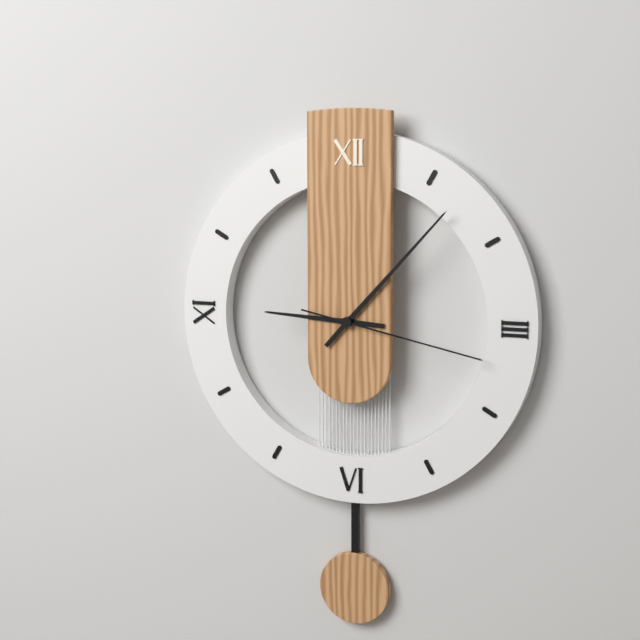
9:07:17
